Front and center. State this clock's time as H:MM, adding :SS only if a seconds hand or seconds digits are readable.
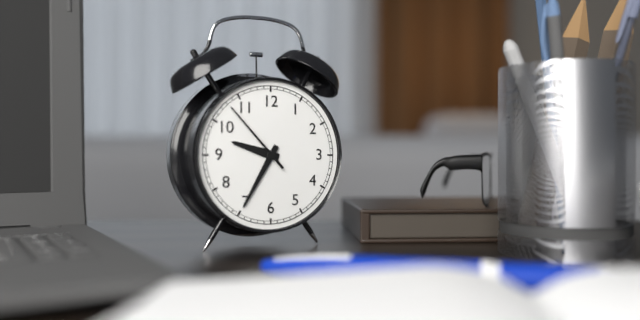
9:35:53
